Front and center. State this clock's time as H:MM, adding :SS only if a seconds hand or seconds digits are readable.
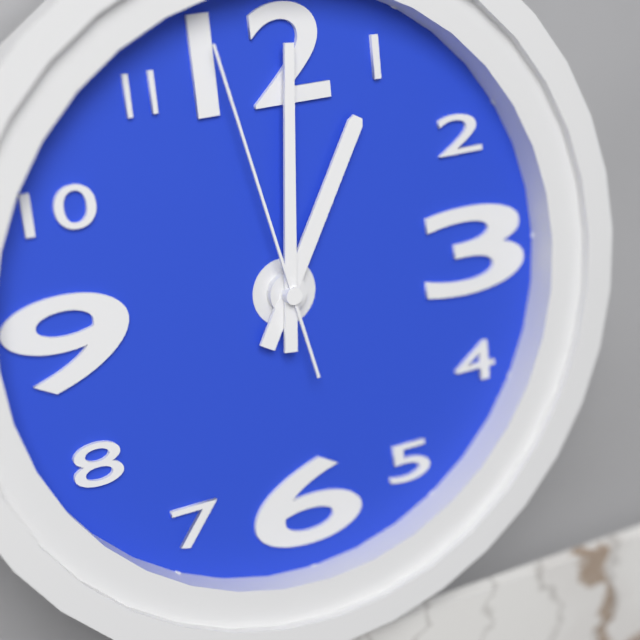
1:01:58
